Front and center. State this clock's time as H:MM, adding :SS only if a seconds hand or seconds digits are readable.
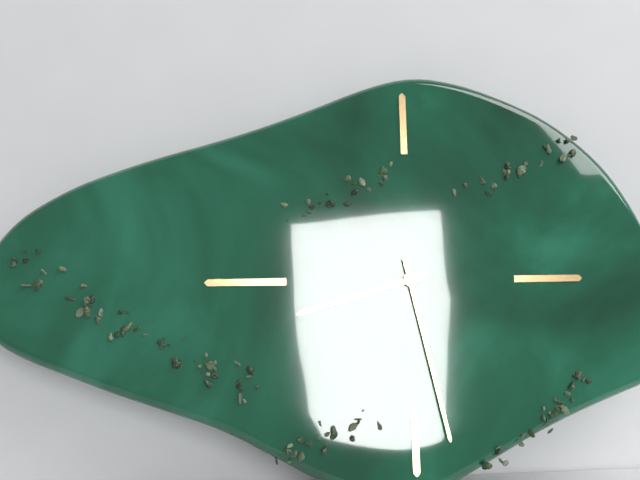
8:28
